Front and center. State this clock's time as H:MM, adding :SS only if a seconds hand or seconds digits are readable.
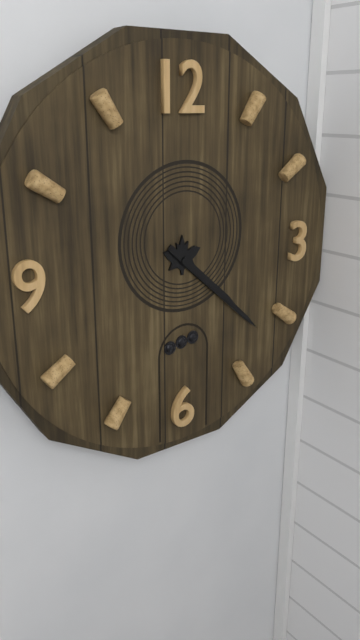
4:22
